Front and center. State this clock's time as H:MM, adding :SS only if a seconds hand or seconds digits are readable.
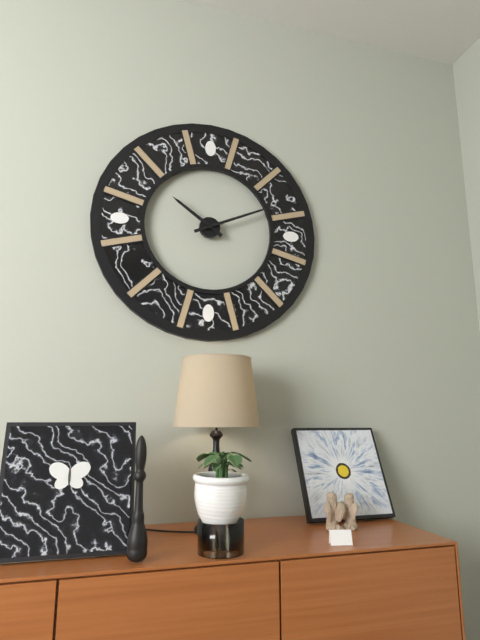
10:11
